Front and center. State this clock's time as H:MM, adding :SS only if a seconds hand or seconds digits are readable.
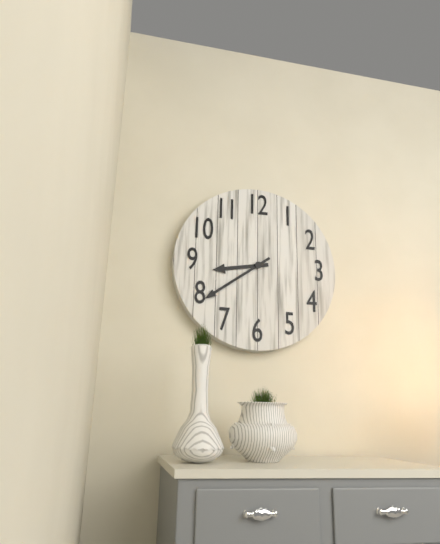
8:39
